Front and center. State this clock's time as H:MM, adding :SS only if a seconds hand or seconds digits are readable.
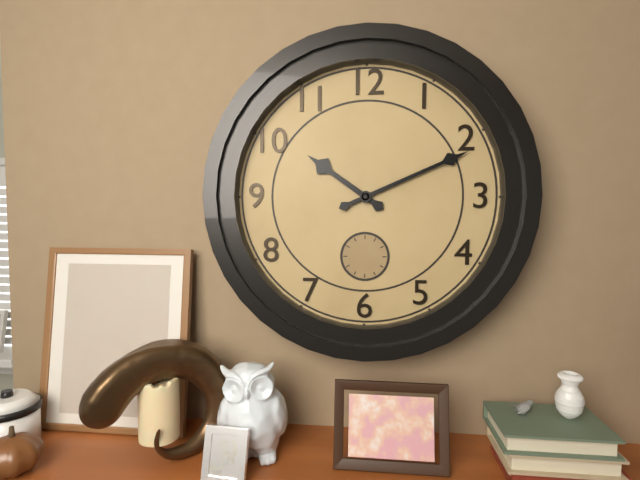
10:11
